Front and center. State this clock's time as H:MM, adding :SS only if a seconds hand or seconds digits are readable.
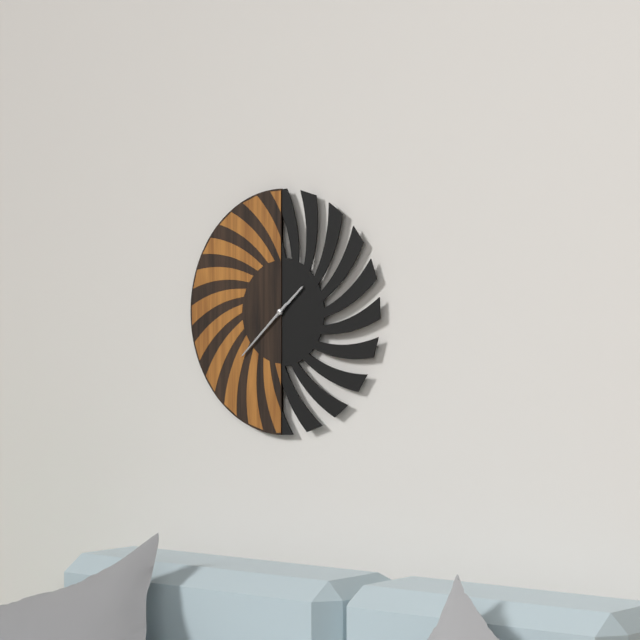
1:38
